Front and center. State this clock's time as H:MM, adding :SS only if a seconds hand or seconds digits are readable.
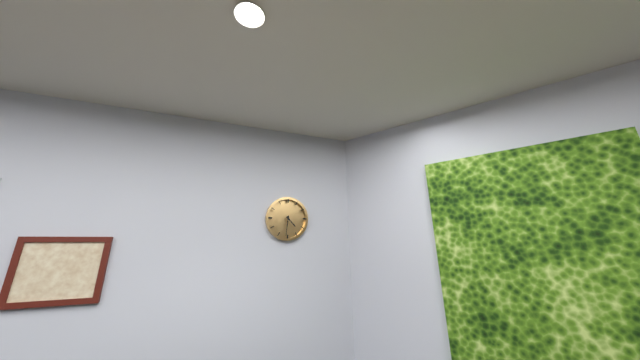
4:31
